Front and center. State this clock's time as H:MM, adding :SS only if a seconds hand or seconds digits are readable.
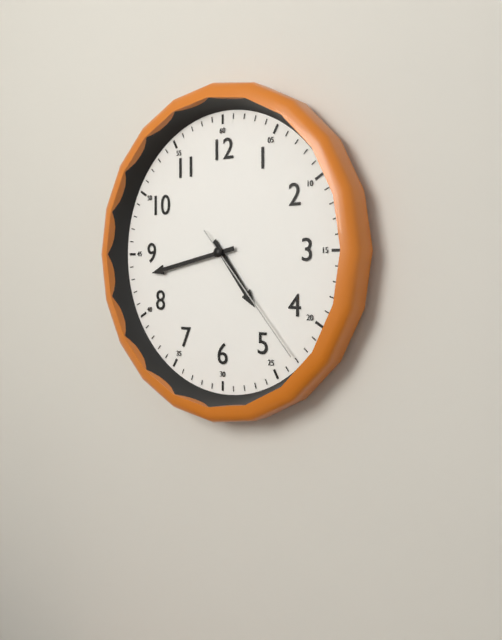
4:43:23
